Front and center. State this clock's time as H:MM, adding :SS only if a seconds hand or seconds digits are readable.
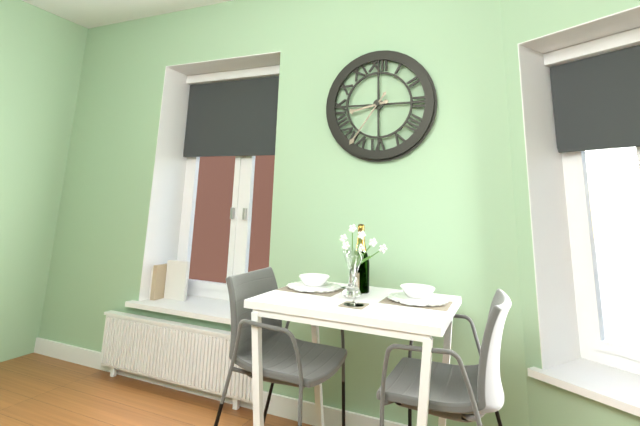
8:36
